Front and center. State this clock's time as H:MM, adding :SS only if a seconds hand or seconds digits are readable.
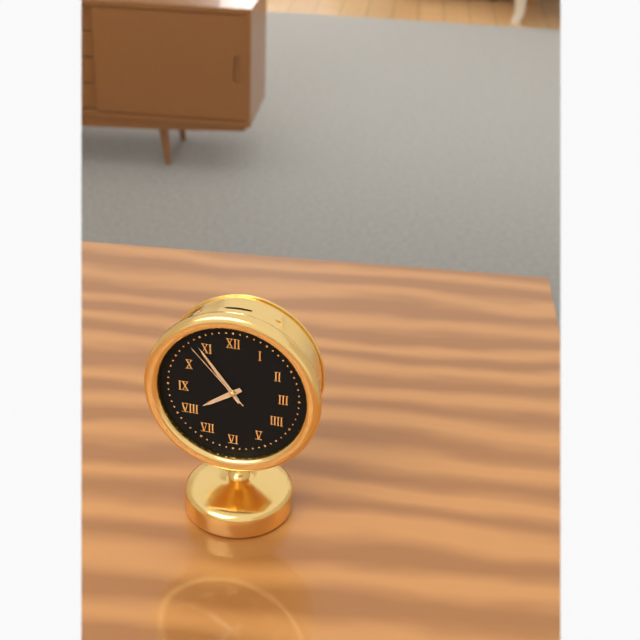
7:54:53
